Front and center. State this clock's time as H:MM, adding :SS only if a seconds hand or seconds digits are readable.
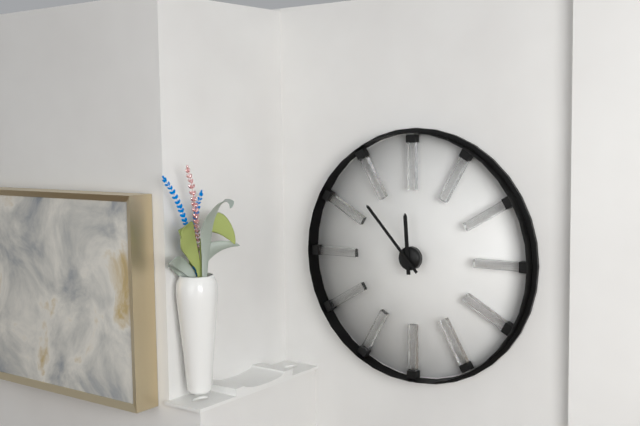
11:53
